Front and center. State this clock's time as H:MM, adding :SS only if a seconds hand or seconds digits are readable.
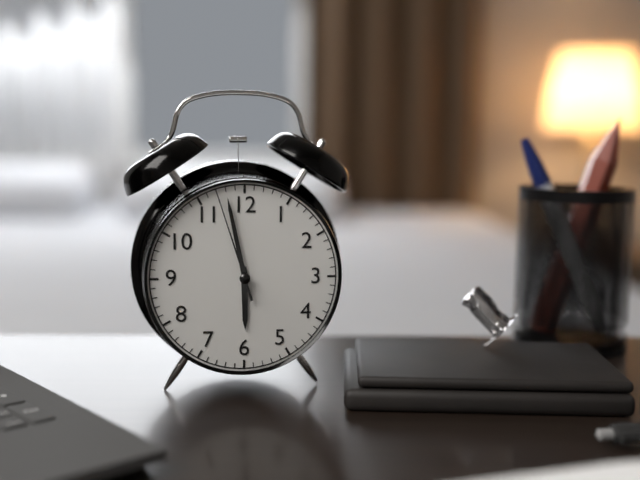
5:58:57
